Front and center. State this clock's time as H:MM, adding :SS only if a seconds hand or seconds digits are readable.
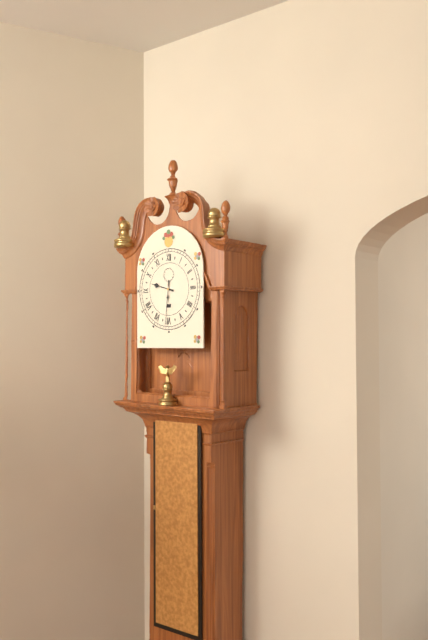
9:31
